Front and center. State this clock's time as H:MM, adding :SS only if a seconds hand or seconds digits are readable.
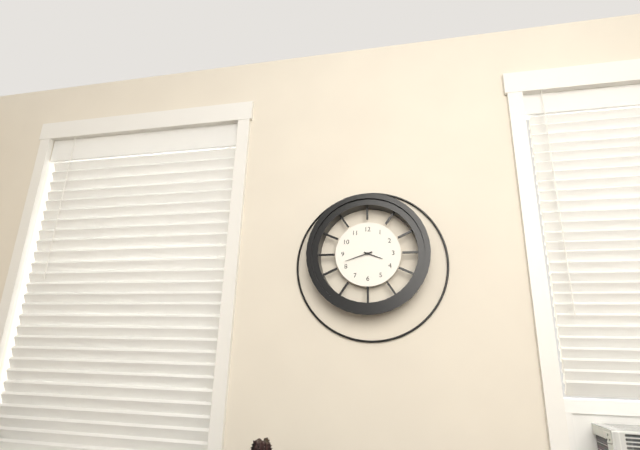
3:42
